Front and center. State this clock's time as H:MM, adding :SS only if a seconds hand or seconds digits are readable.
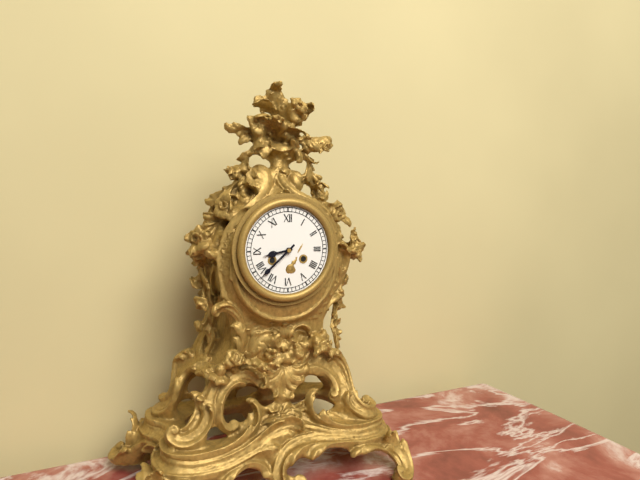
8:38
